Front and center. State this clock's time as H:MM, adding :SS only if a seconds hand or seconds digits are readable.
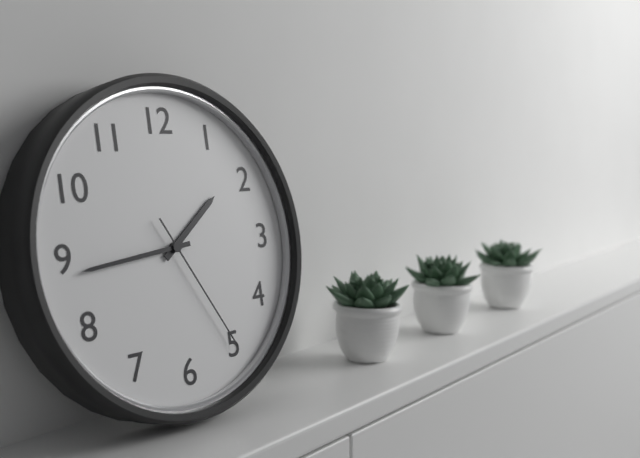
1:44:25
